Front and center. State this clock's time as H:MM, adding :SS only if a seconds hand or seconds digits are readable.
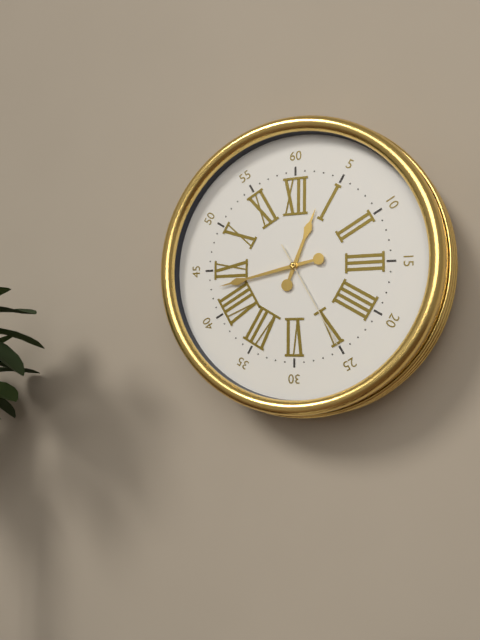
12:43:25
